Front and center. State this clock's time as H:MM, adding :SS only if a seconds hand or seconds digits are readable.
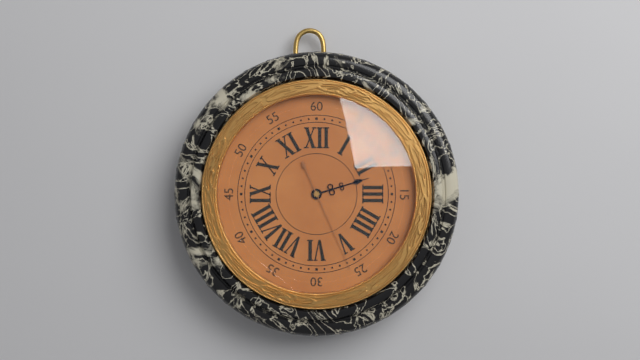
2:26
